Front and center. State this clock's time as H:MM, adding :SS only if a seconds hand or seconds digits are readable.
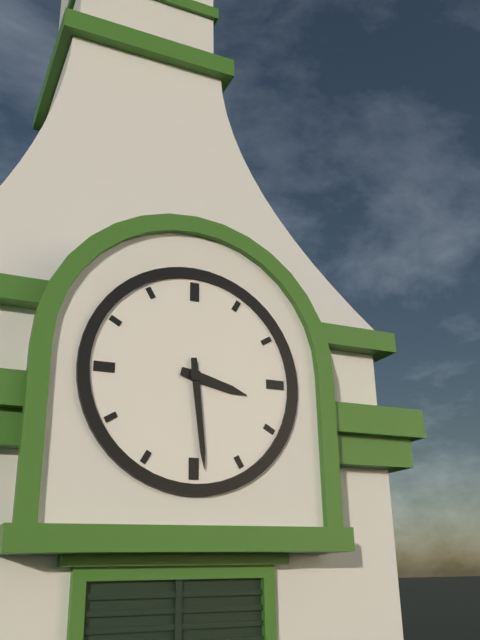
3:29
